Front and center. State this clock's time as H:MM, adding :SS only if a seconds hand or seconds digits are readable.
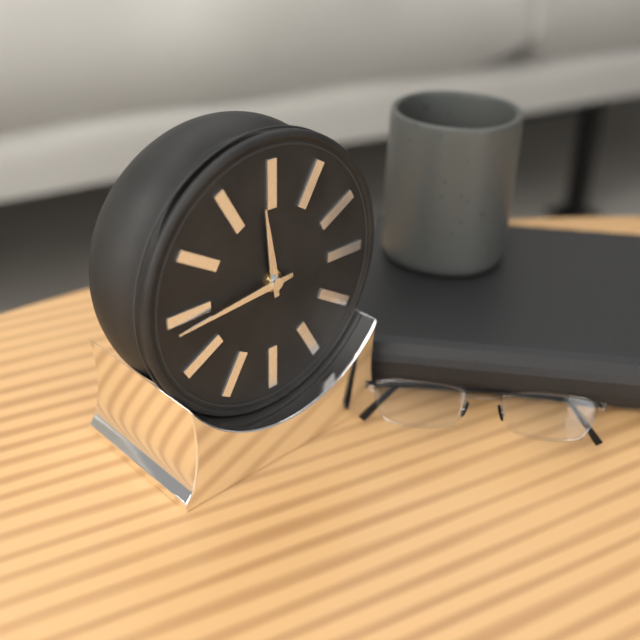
11:44
